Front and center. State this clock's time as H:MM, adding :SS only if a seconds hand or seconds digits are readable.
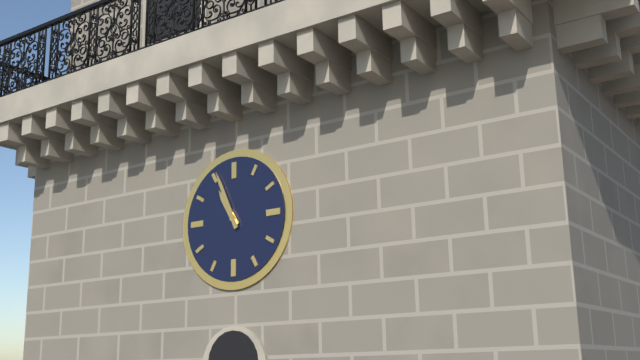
10:56
